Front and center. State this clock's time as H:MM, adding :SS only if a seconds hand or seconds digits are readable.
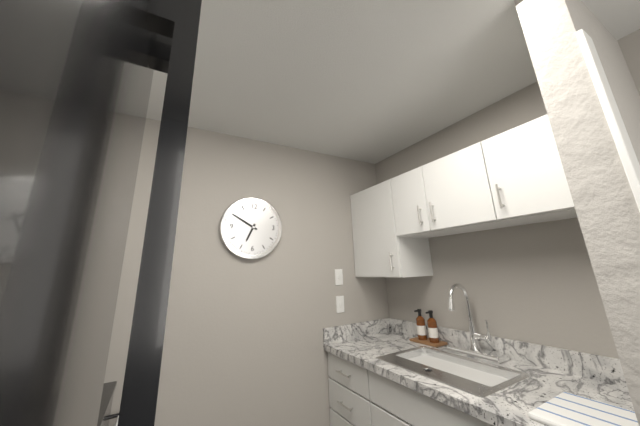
6:50
